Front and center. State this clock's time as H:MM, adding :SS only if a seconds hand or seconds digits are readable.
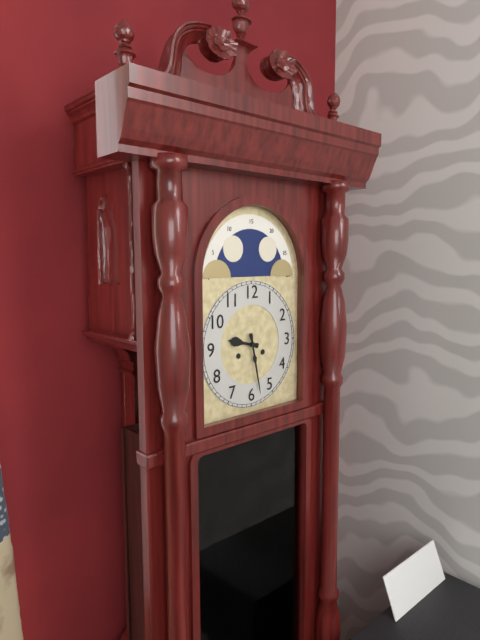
9:28
